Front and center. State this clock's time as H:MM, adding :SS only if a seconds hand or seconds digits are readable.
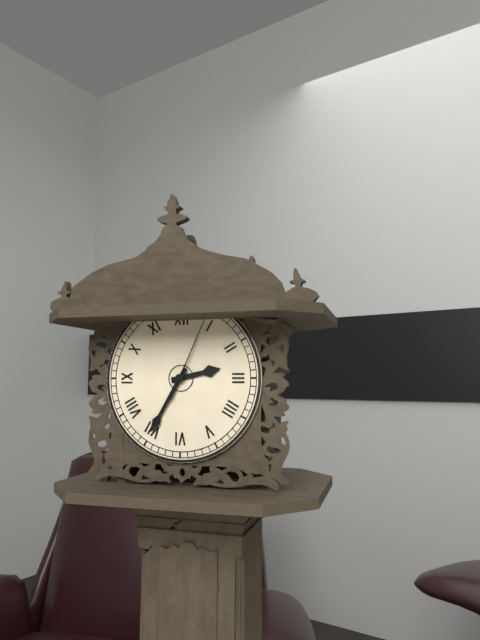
2:35:04
